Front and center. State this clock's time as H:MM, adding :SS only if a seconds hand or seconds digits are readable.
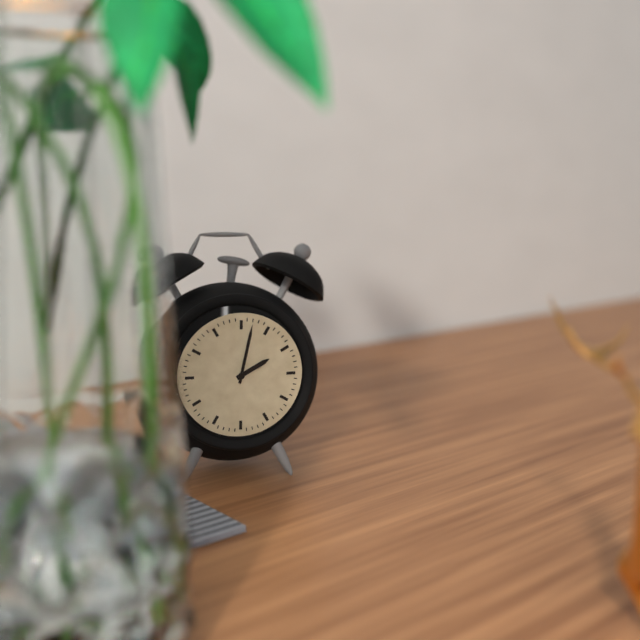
2:02
